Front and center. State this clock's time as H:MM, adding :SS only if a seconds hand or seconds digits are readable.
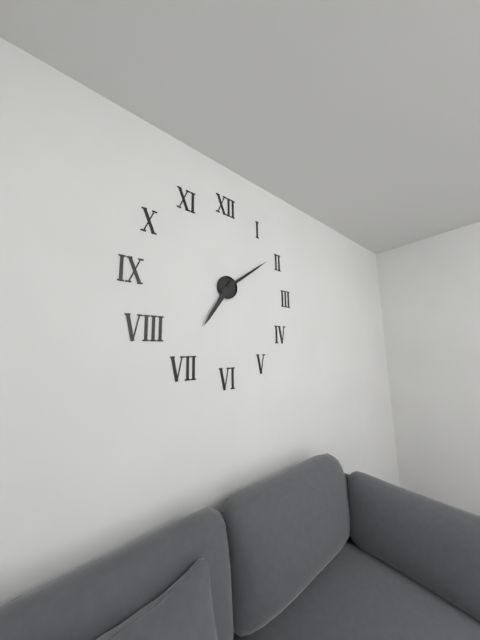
7:09
